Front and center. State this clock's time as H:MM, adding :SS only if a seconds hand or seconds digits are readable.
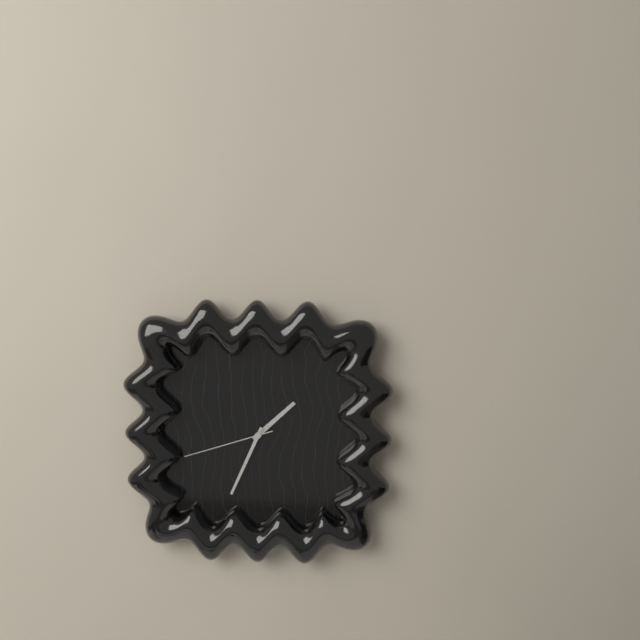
1:34:42
